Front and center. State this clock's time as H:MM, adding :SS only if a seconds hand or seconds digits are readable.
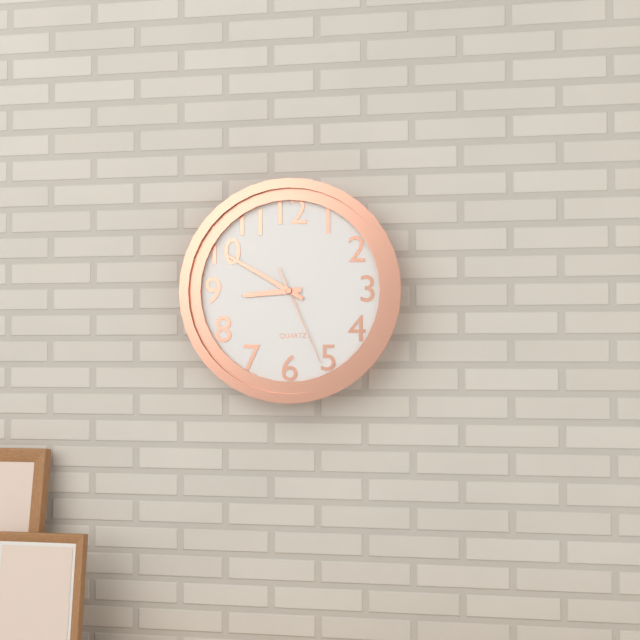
8:50:26
